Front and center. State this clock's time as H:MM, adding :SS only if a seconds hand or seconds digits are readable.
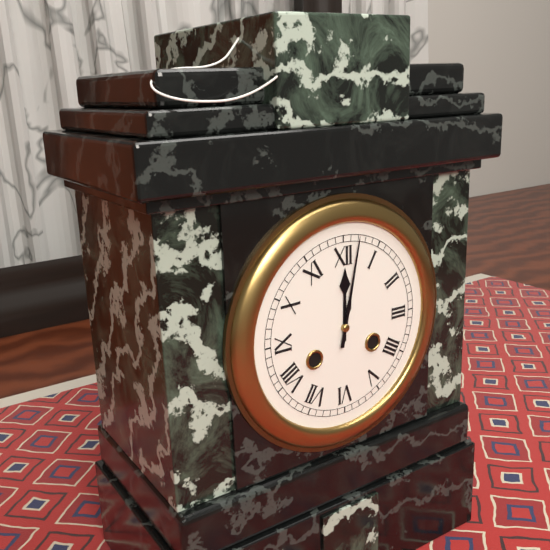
12:02
